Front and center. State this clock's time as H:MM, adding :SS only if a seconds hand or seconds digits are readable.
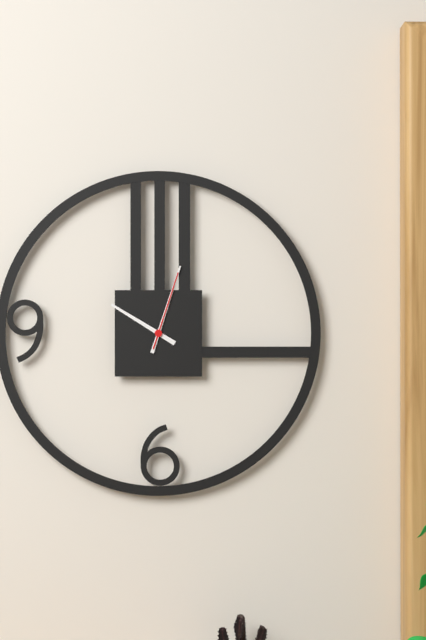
10:03:03
